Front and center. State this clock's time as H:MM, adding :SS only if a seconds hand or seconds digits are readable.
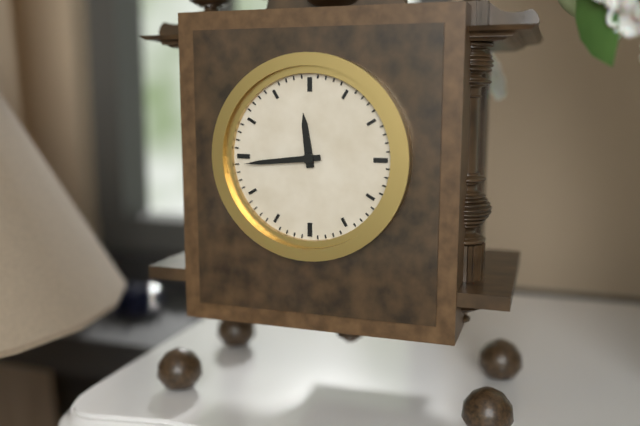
11:44
